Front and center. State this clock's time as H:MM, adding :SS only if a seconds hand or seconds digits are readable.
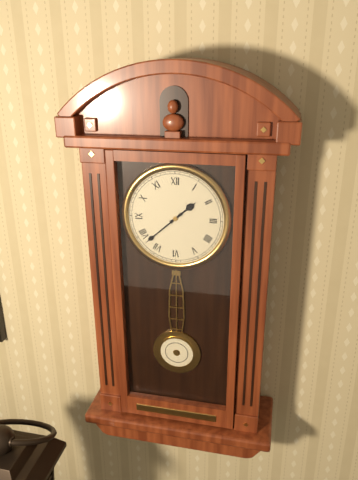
1:38
